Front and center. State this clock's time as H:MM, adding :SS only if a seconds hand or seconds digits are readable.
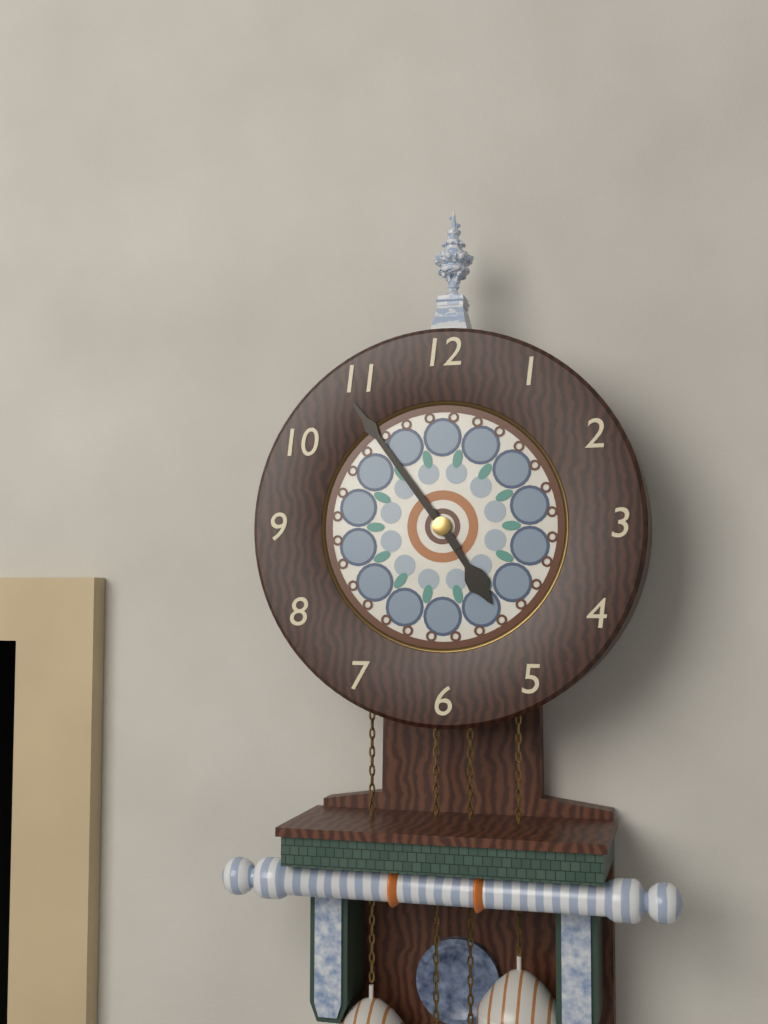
4:54
